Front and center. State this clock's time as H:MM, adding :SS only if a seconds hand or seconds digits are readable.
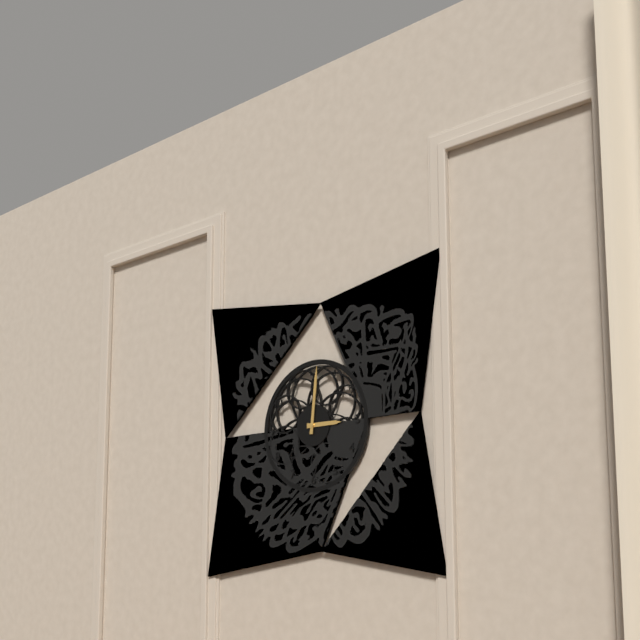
3:01
